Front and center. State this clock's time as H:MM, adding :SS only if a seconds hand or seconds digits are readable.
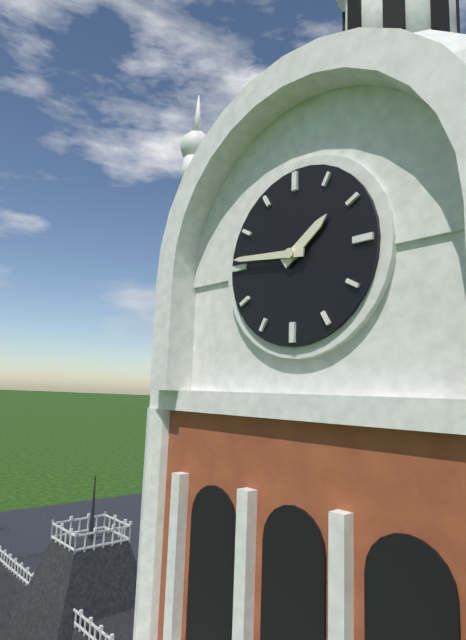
1:46
